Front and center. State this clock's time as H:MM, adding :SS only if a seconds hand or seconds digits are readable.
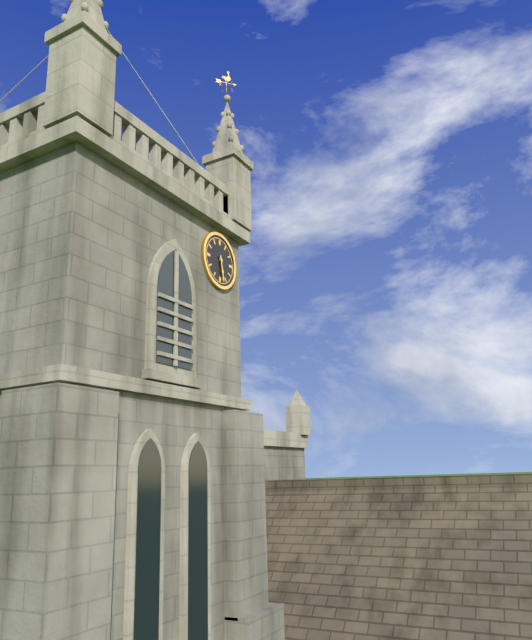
5:28
